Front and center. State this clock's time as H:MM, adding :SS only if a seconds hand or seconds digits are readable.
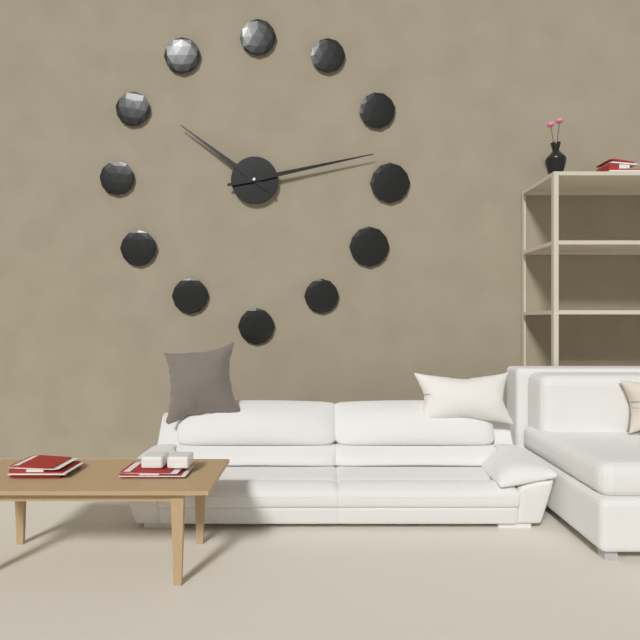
10:13
